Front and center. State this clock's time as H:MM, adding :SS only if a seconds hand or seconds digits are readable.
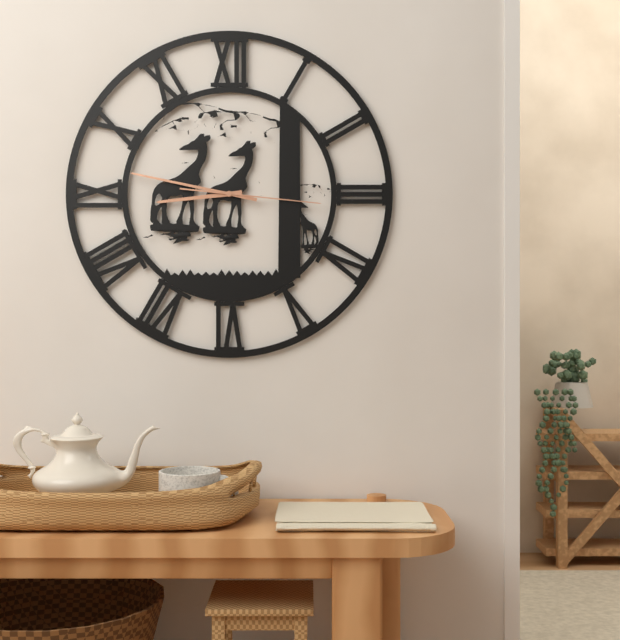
8:47:16
